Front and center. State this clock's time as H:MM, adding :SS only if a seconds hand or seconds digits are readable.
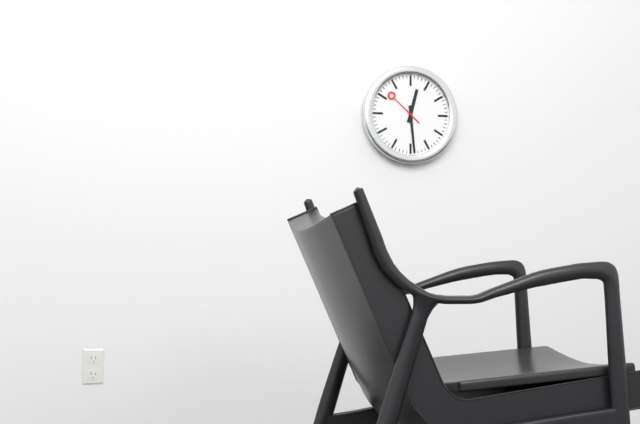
12:29
